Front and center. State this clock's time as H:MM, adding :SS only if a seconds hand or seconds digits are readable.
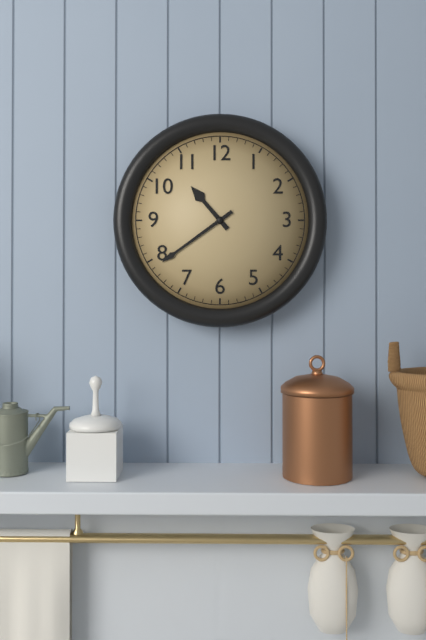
10:39
